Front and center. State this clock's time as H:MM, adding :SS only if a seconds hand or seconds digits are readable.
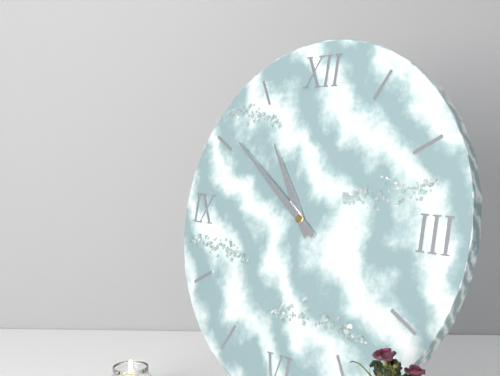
10:51
